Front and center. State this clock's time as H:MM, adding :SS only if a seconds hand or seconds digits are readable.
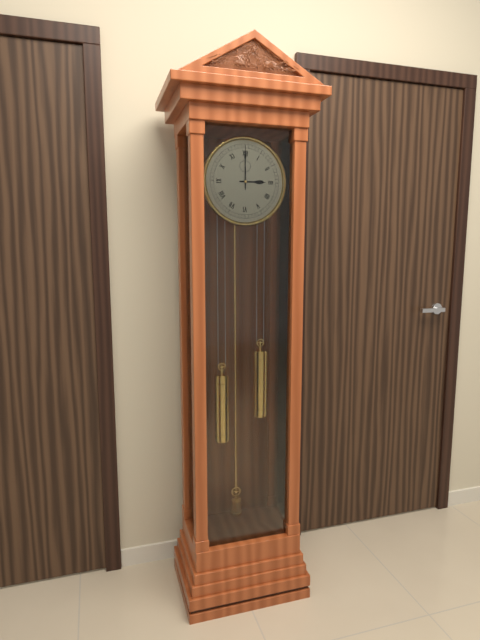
3:00
